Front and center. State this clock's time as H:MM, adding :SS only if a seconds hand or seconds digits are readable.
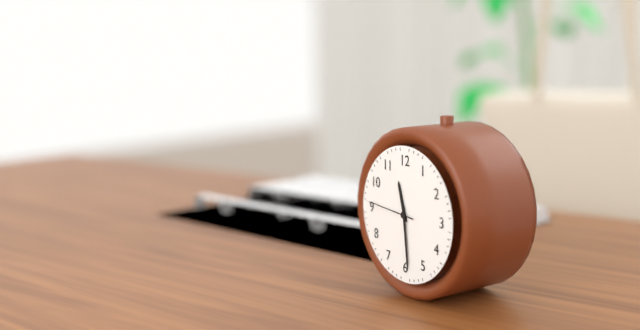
11:29
